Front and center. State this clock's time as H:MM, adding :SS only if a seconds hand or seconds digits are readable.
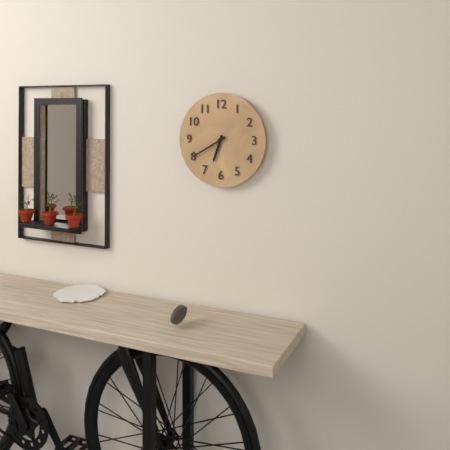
6:40
